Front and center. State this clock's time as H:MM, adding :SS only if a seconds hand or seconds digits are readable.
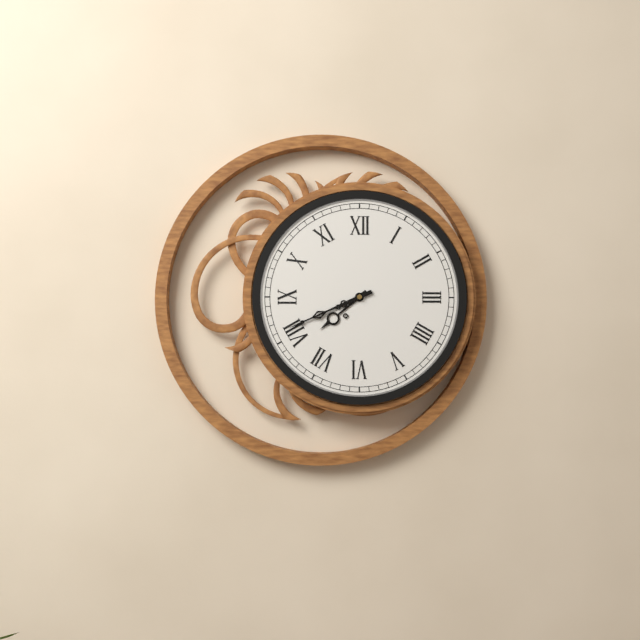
7:41
